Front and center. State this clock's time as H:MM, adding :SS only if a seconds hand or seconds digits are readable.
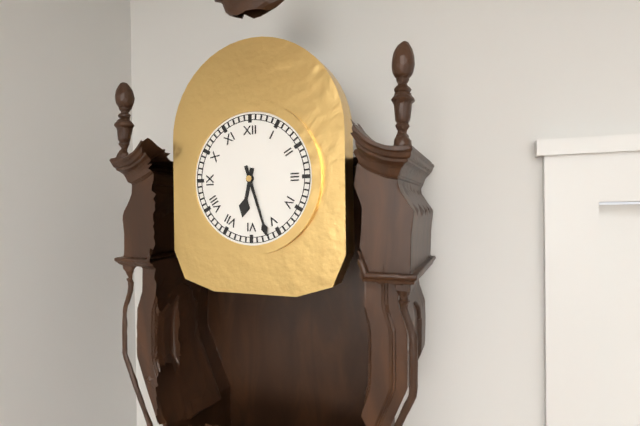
6:27
